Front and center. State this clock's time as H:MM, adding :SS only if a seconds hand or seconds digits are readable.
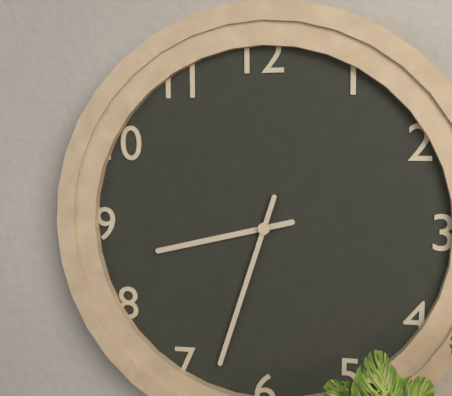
8:33
